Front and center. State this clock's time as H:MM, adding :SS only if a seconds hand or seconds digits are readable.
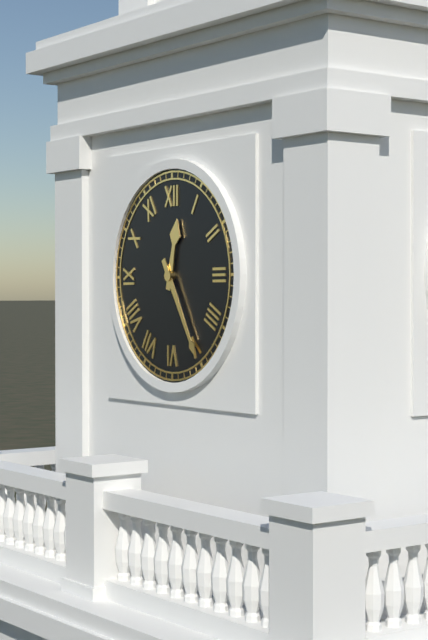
12:25
